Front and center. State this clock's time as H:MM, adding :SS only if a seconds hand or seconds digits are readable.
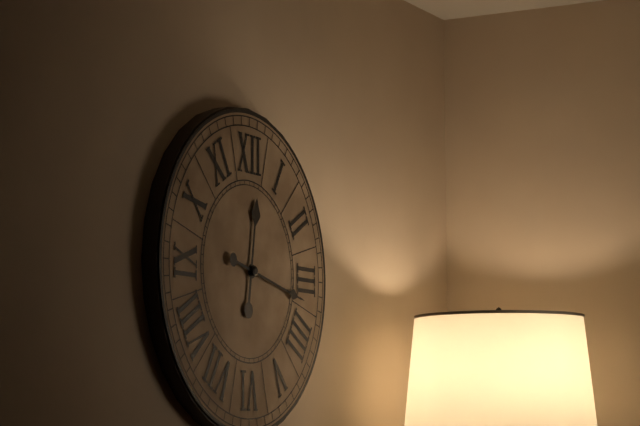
12:17
